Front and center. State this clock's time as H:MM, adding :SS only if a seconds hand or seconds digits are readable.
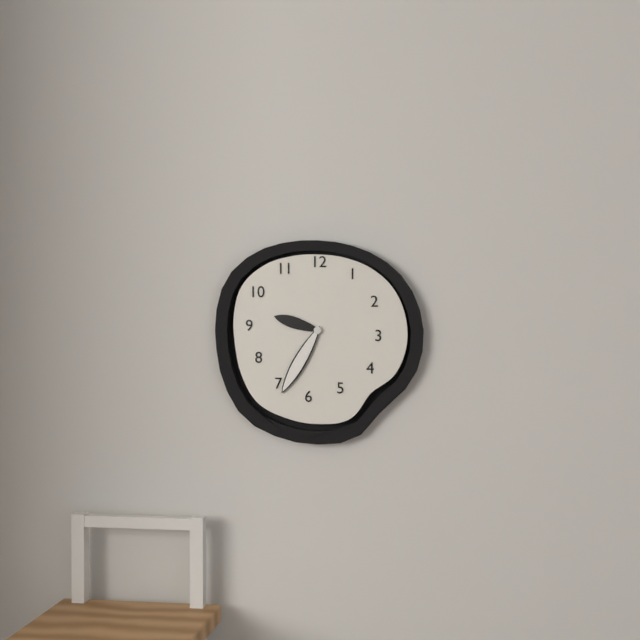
9:35
